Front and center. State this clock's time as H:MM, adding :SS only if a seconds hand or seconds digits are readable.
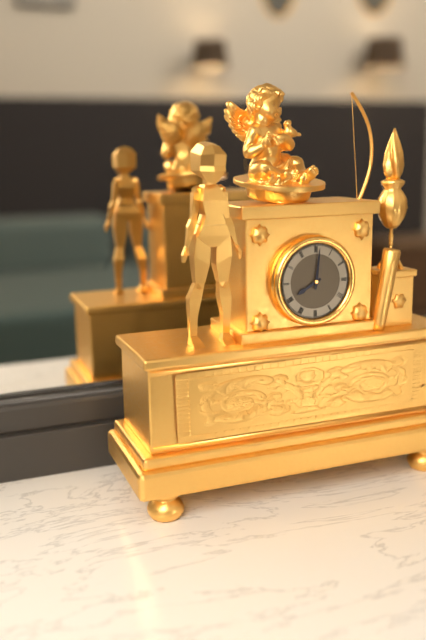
8:01
